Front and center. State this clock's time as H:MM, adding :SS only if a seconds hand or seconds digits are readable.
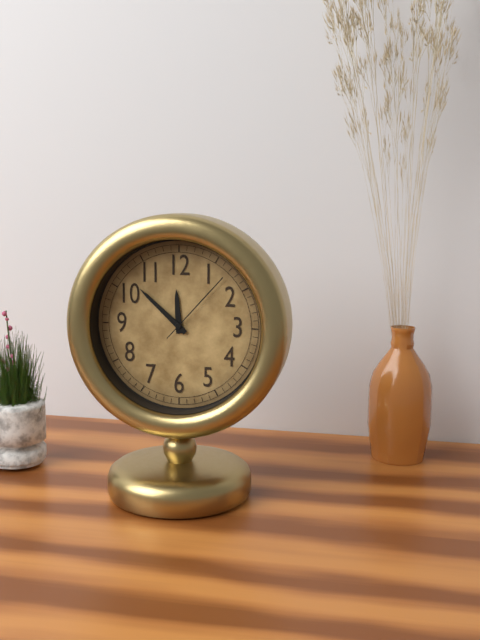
11:52:07
